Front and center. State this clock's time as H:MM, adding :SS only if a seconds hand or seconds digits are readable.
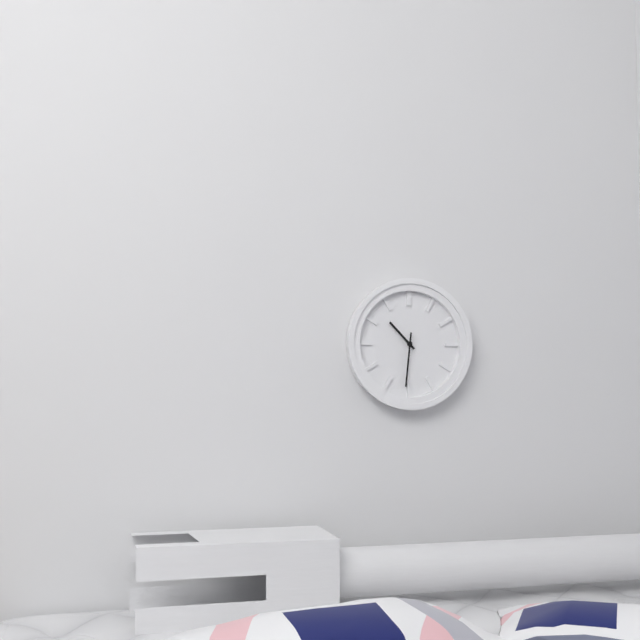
10:31
